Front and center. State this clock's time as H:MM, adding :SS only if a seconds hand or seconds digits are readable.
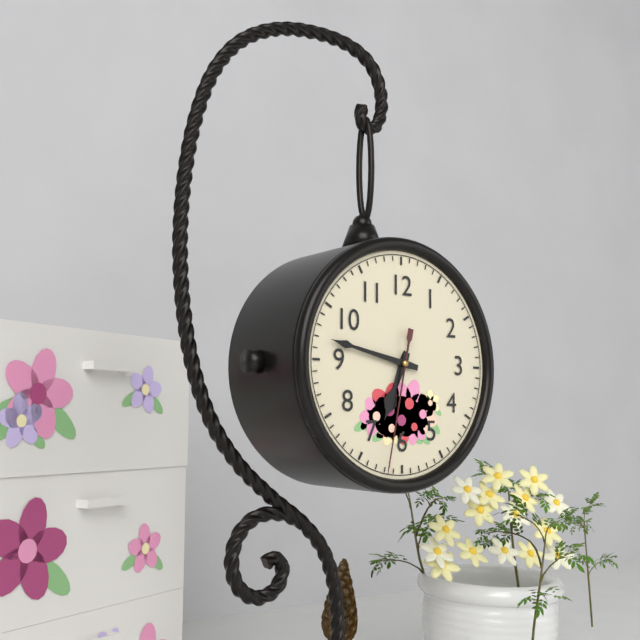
6:47:32
